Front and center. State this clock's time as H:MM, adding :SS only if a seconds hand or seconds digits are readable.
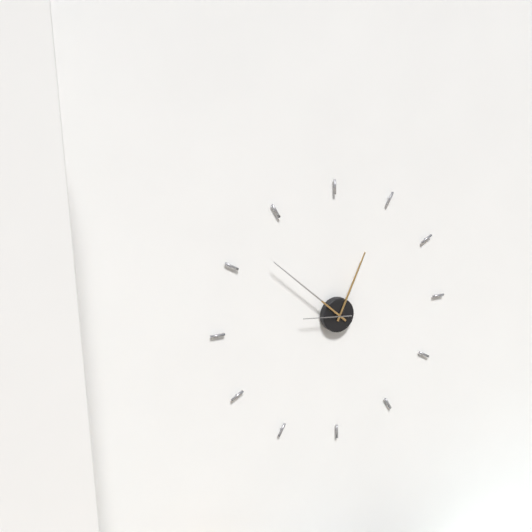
12:52
